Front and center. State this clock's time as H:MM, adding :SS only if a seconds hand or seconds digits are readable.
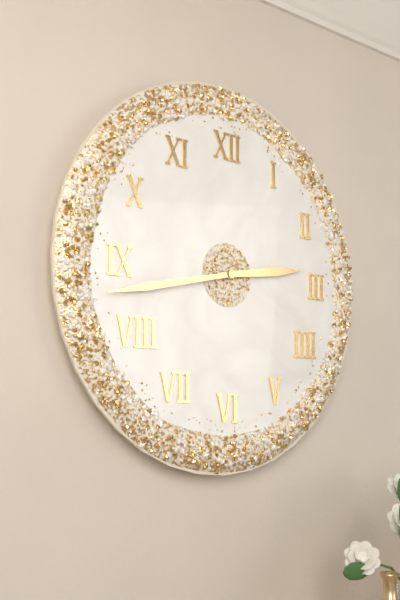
2:43
